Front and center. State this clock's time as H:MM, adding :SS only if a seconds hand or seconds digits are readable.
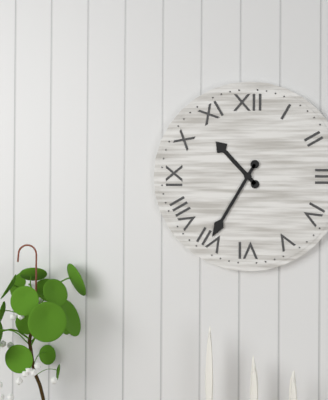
10:35
